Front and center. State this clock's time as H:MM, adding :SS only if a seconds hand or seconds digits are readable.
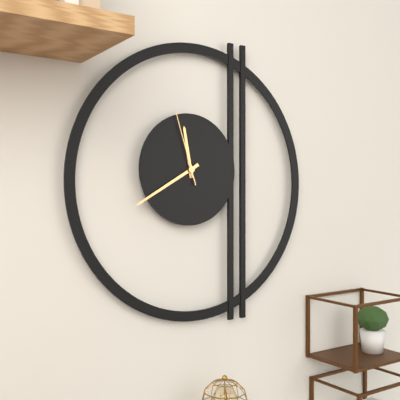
11:40:57
